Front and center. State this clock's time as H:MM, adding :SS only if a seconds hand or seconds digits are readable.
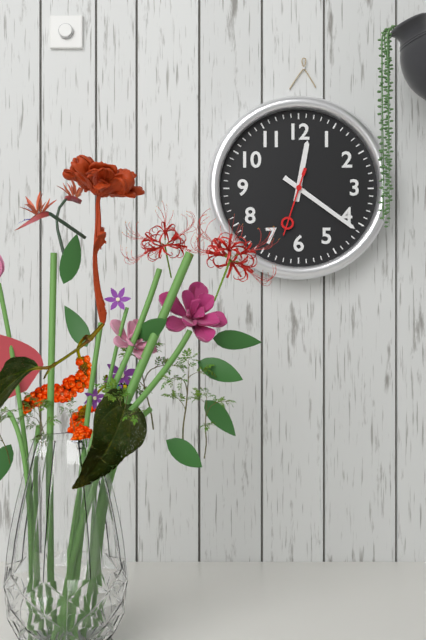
12:21:33
